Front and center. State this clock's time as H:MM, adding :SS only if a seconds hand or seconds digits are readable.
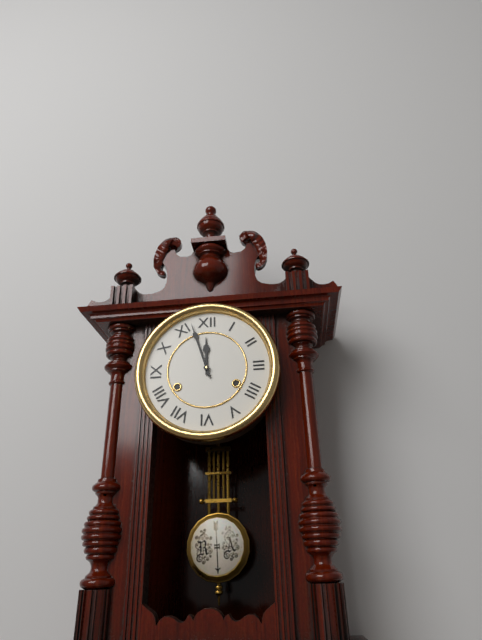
11:57
